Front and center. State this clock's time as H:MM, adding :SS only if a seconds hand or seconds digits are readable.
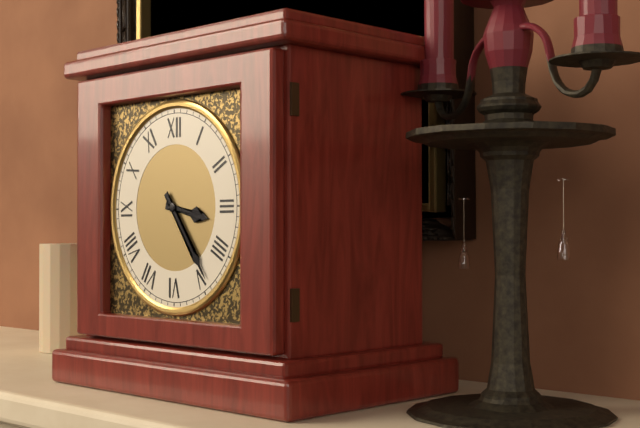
3:24
